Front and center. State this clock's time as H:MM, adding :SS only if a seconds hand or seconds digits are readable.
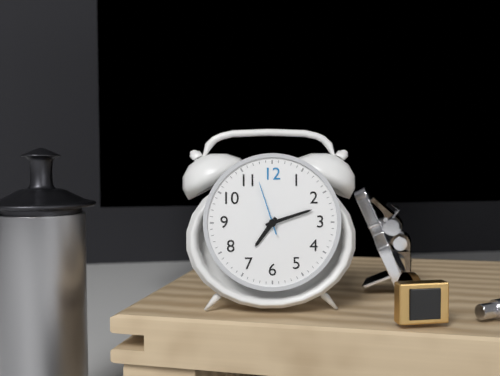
7:12:57
